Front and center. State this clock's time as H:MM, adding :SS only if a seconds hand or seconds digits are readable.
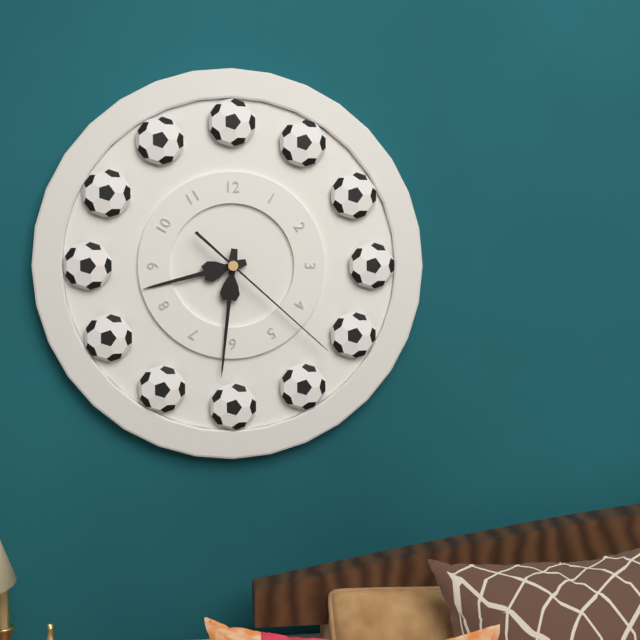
8:31:22
